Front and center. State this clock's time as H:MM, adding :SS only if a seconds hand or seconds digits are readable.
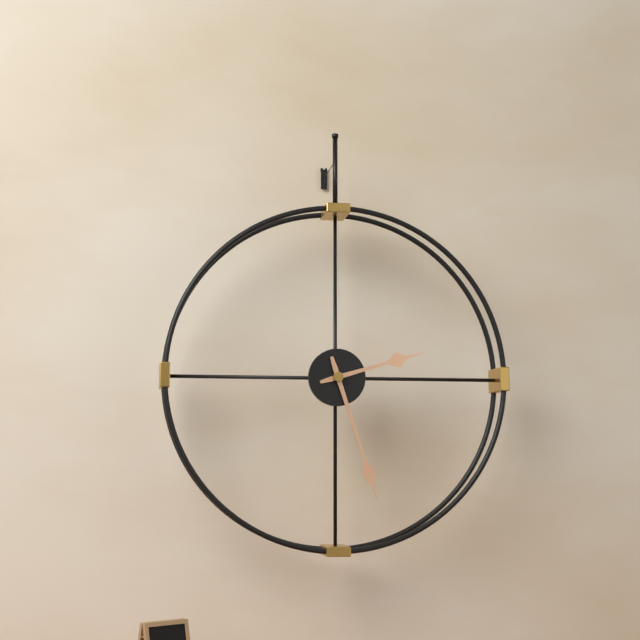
2:27
